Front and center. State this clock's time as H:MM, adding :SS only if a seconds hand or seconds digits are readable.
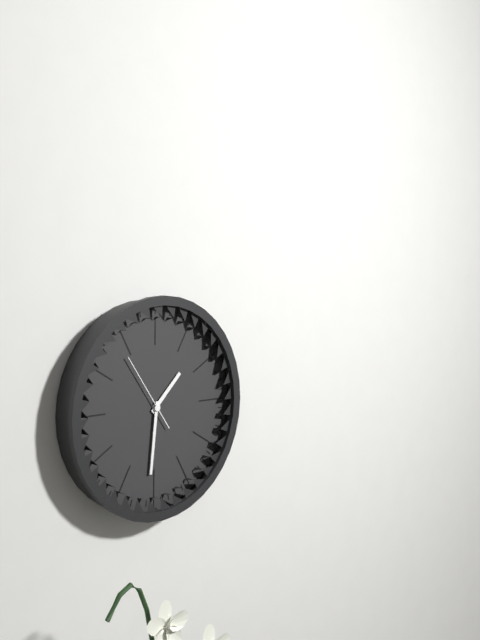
1:31:54
